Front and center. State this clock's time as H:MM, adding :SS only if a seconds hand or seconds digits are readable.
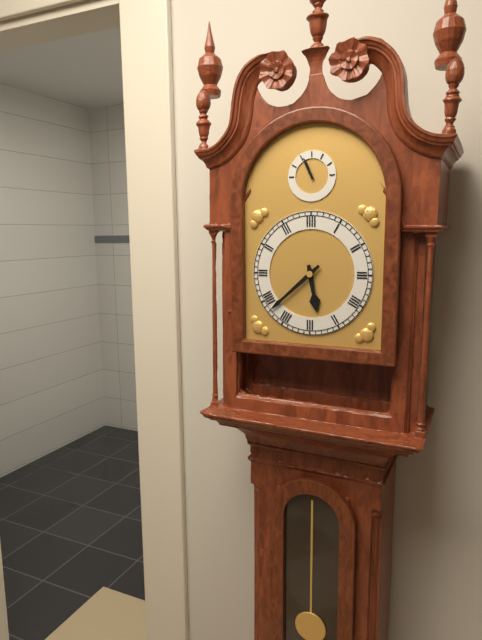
5:38
